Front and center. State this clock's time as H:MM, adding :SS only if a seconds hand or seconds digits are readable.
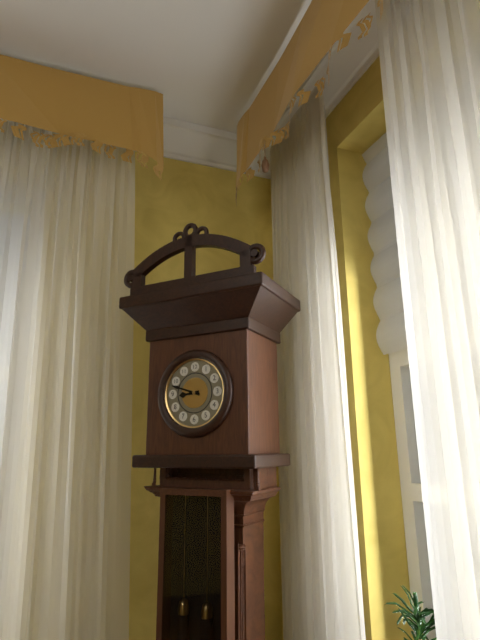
8:48
